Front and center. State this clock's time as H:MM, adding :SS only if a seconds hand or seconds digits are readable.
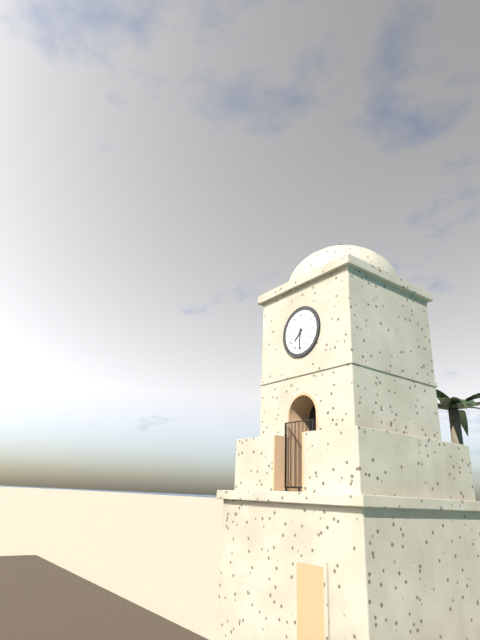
7:31
